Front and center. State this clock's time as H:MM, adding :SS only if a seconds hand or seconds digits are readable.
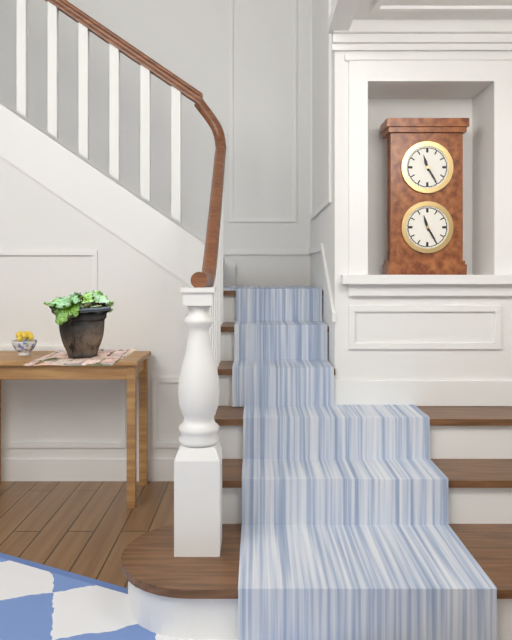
11:25
